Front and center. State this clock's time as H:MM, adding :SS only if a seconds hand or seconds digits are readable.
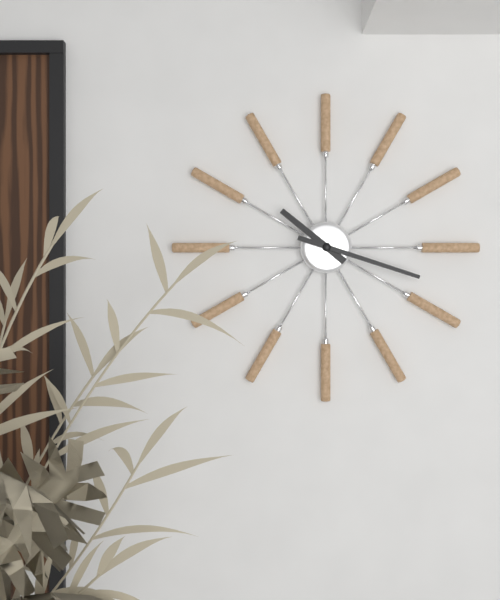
10:18
